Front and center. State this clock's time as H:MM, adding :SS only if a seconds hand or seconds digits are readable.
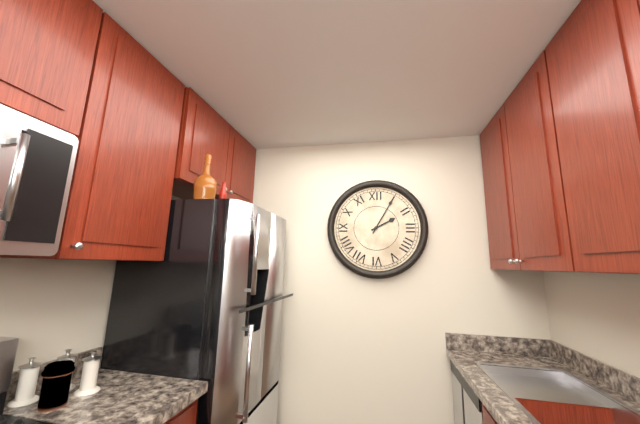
2:05
